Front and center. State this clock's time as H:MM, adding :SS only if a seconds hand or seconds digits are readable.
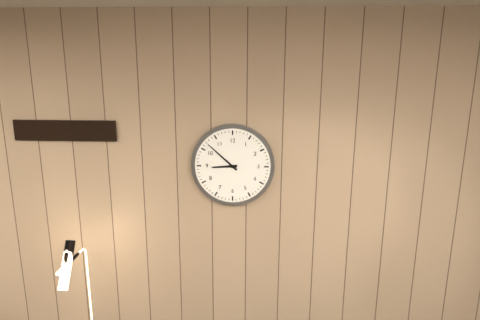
8:52
